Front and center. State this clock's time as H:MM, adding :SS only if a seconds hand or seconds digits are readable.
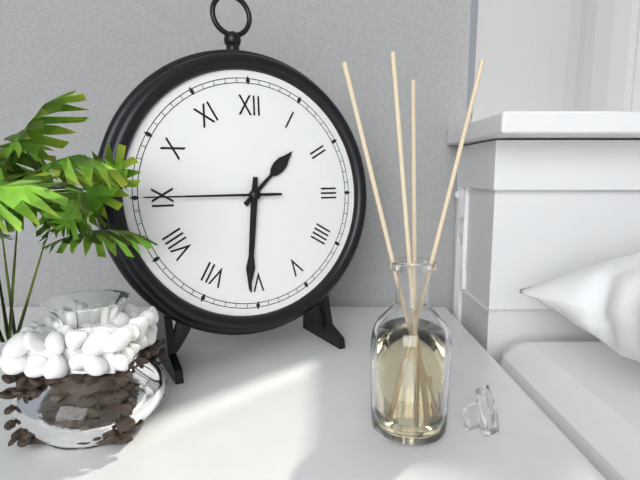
1:31:45
